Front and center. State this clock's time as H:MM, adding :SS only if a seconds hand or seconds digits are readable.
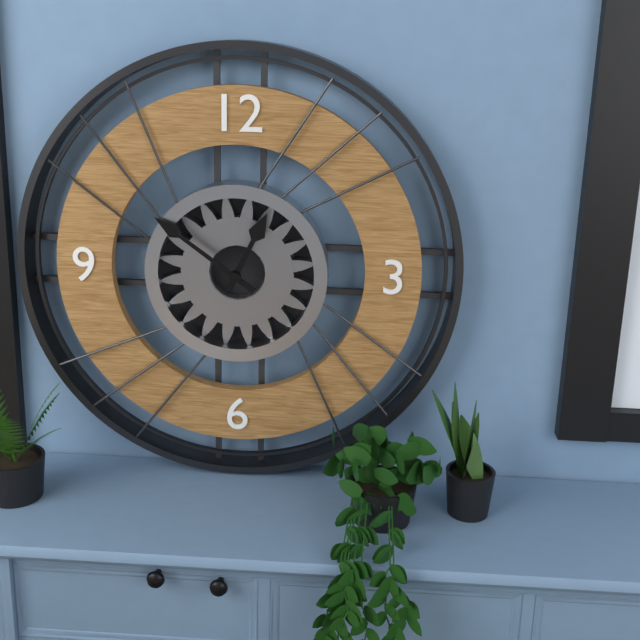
12:51
